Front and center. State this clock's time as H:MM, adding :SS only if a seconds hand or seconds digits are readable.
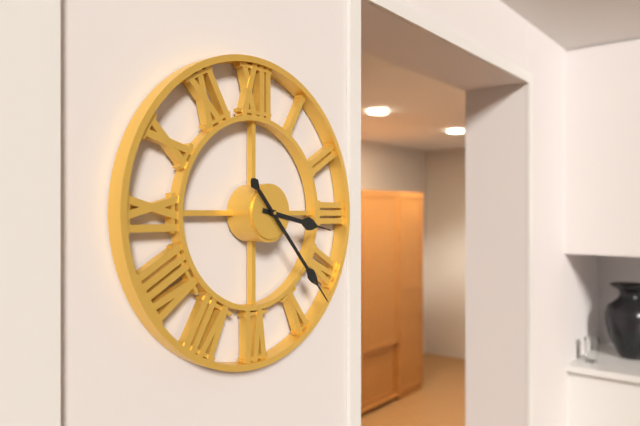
3:23
